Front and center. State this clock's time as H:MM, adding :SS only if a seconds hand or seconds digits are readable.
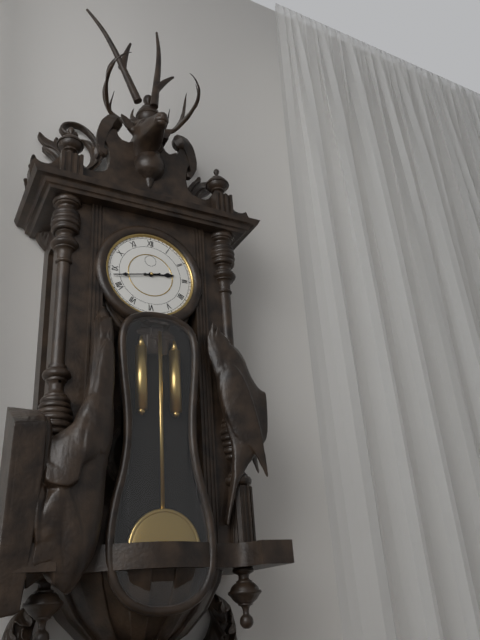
2:43
